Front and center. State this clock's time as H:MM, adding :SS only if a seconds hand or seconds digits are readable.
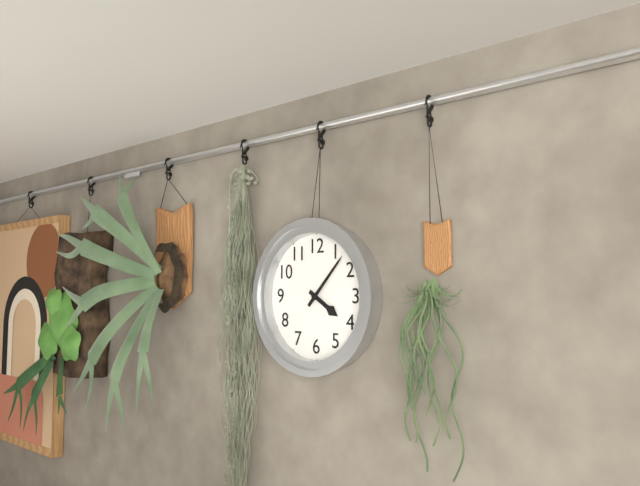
4:07
